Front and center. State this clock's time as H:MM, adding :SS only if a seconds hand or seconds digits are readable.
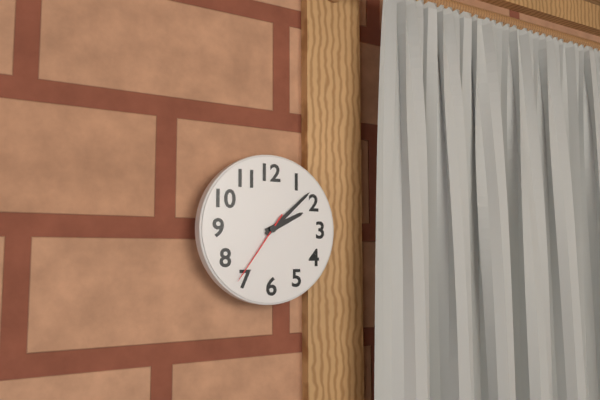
2:08:36
